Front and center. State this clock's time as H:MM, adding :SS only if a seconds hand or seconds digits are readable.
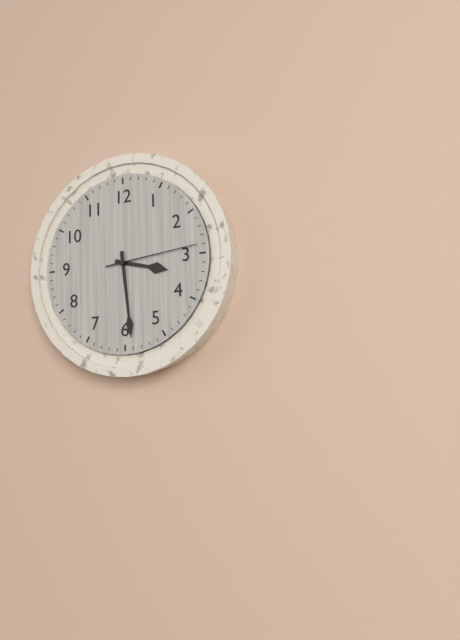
3:29:14
